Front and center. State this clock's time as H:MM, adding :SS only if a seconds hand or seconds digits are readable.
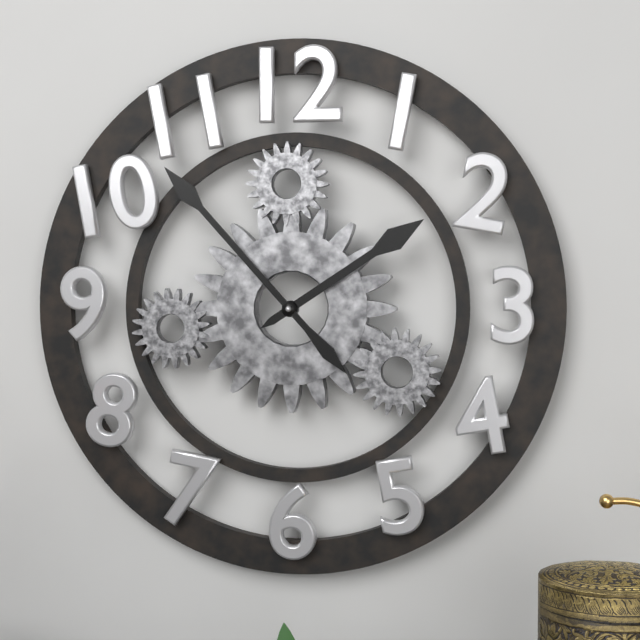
1:53
